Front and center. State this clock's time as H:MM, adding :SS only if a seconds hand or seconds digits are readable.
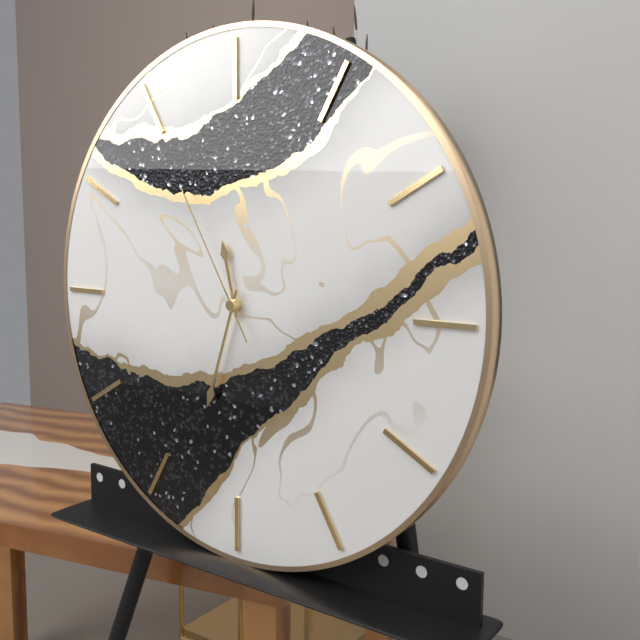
11:33:55
